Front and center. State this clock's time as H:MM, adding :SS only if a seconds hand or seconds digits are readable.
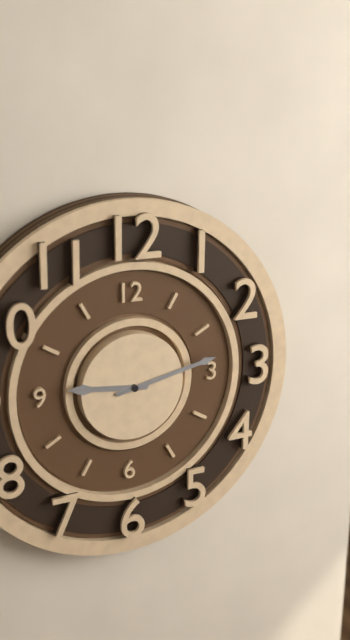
9:13
